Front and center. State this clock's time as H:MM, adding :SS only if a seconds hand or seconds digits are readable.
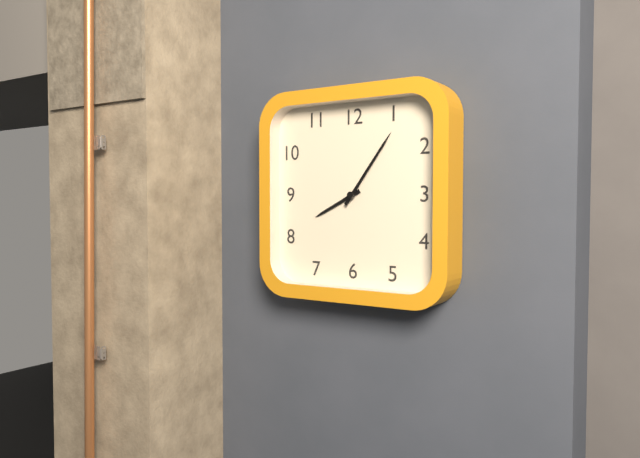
8:06
